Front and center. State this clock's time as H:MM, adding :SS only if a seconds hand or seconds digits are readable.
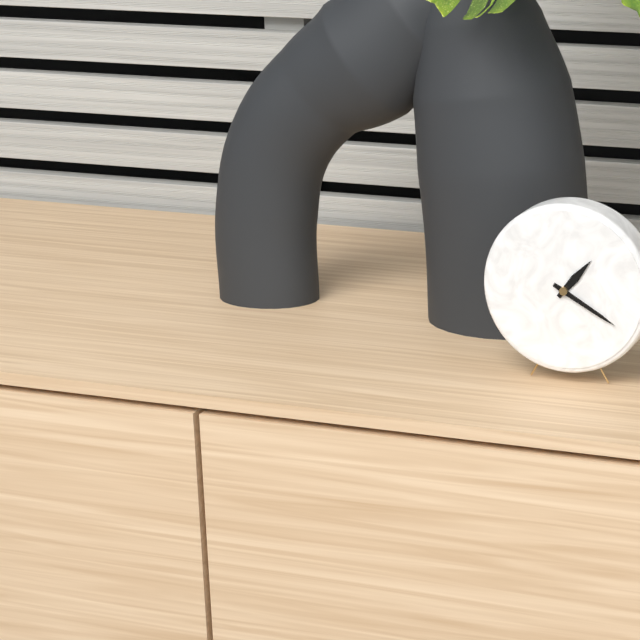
1:20
